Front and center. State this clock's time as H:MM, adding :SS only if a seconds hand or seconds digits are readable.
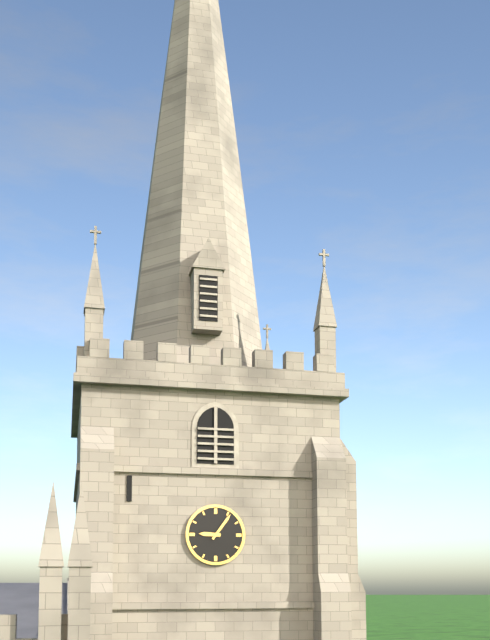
9:06
